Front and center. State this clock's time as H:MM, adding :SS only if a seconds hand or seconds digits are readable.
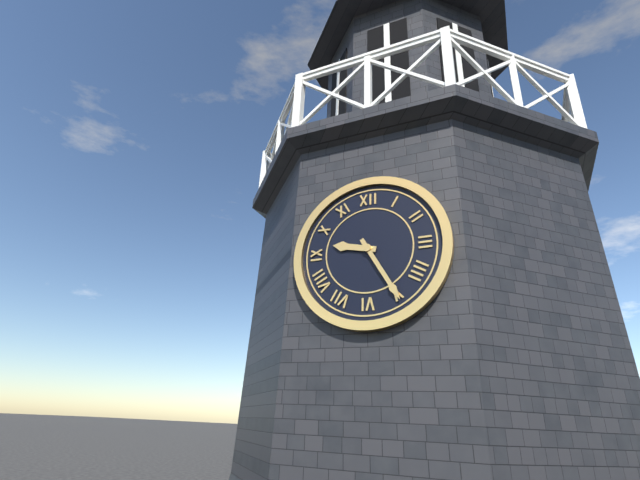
9:25
